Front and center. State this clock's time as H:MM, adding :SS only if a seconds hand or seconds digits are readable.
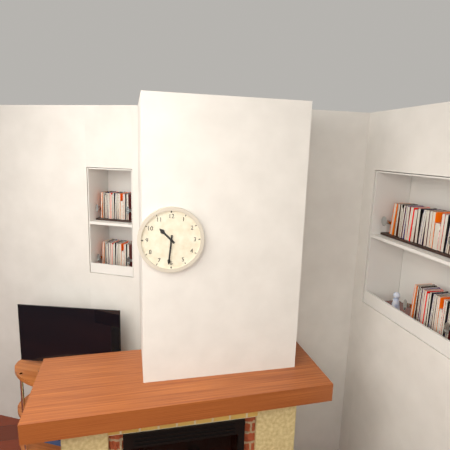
10:31
